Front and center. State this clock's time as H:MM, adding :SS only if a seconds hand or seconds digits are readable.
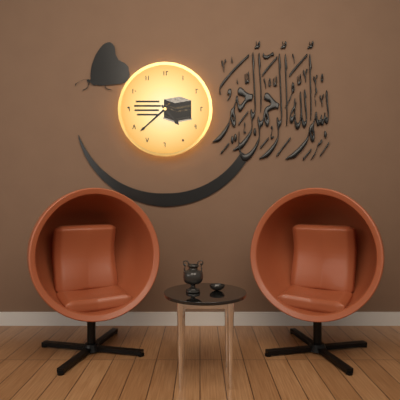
4:38
